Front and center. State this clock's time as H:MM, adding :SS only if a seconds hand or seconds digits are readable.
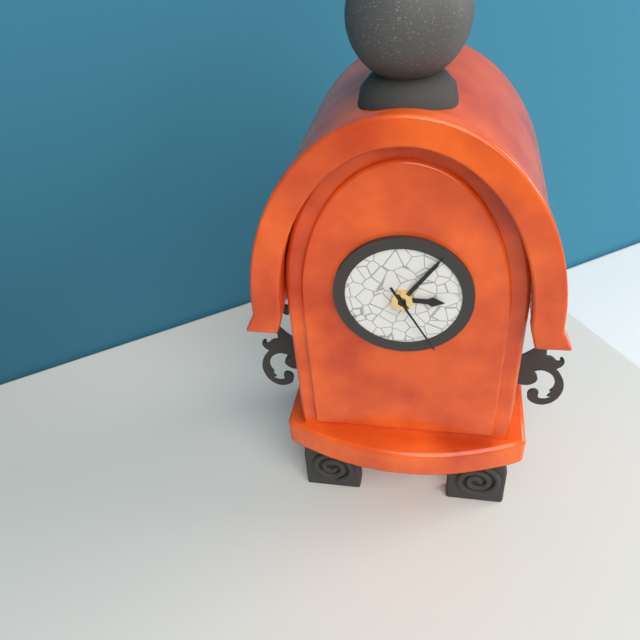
3:06:25
